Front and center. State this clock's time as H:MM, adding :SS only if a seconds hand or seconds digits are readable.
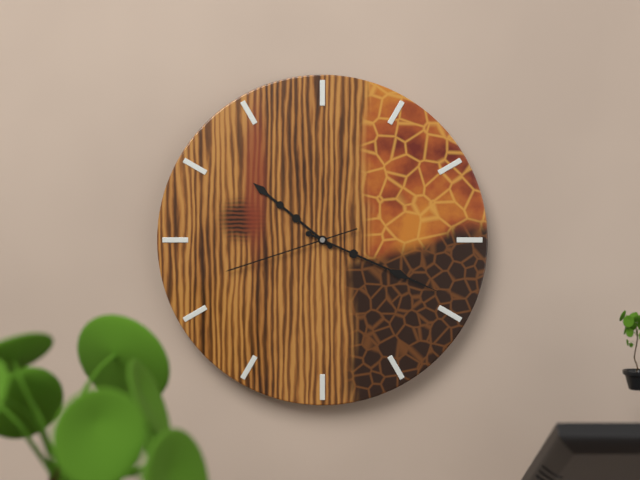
10:19:42
